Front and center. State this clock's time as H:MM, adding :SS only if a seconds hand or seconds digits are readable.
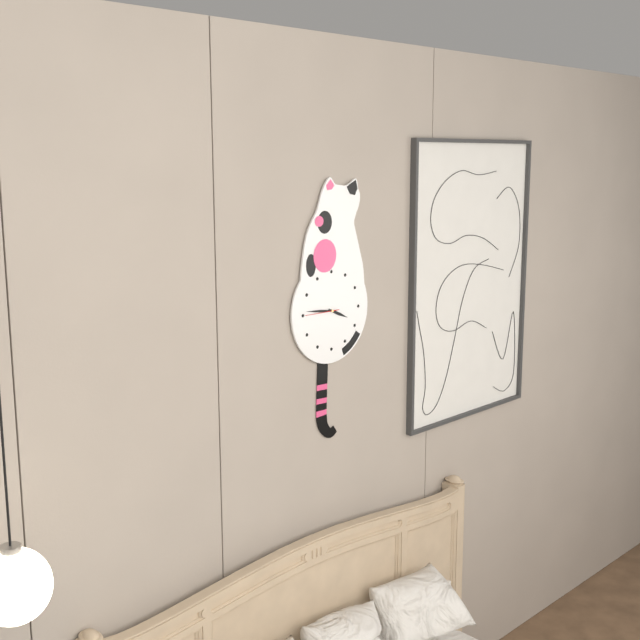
3:46
